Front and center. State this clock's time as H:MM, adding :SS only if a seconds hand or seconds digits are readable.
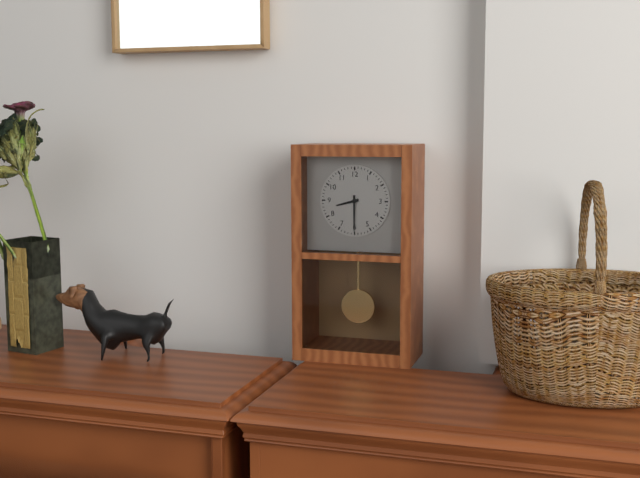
8:30
